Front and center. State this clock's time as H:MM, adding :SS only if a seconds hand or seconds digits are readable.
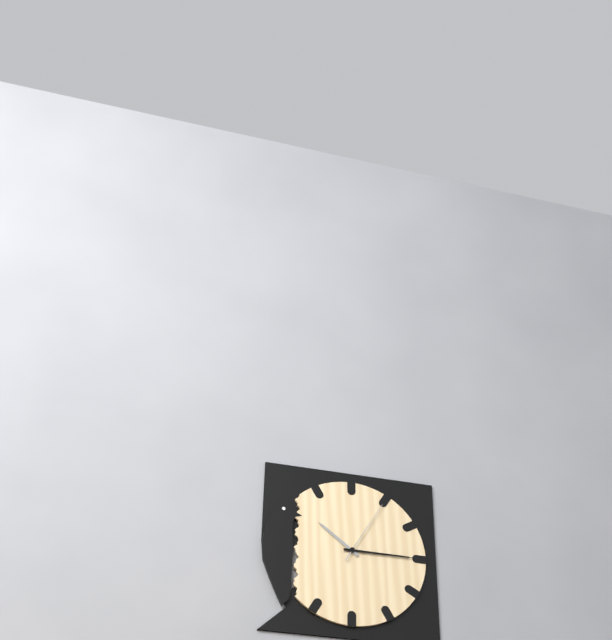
10:15:05
